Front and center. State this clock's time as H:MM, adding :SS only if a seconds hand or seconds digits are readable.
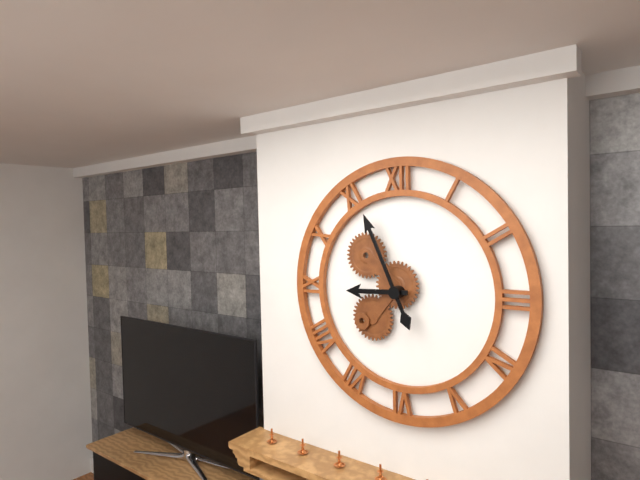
8:56
